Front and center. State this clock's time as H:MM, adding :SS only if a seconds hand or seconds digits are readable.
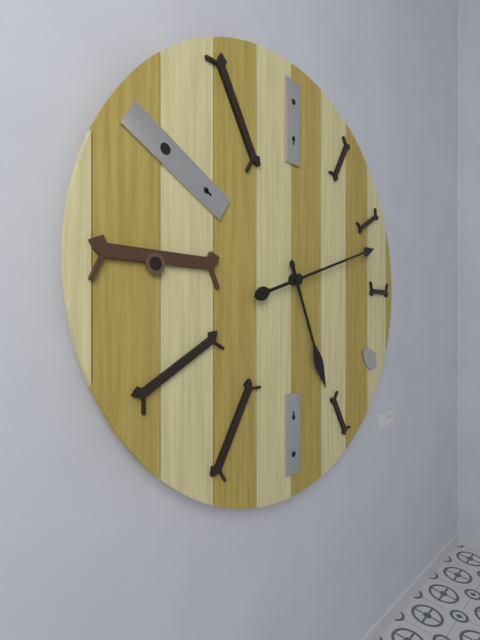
5:12
